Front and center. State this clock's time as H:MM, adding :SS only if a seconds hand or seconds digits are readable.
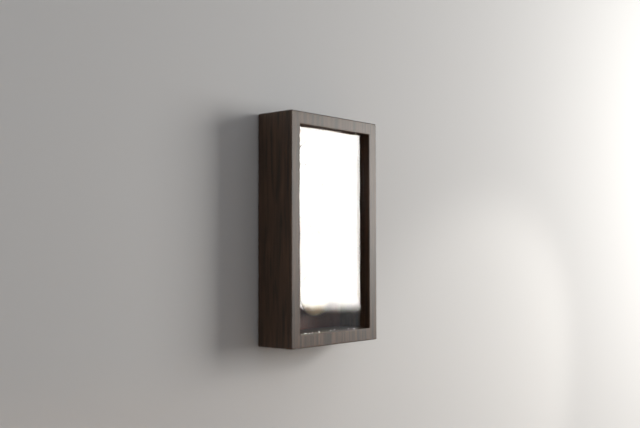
2:21
